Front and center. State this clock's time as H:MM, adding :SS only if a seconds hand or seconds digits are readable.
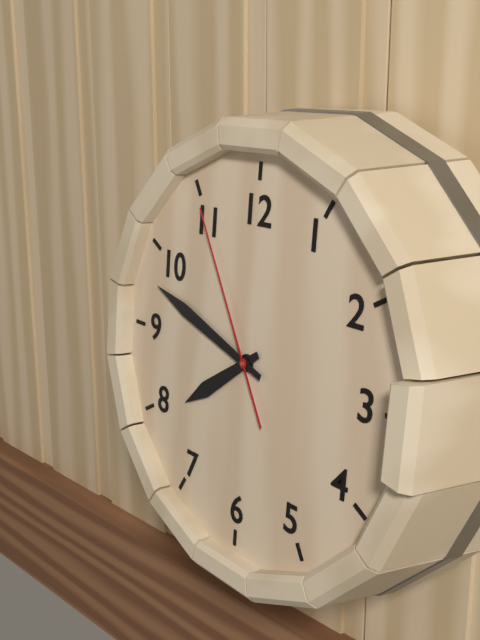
7:48:55
